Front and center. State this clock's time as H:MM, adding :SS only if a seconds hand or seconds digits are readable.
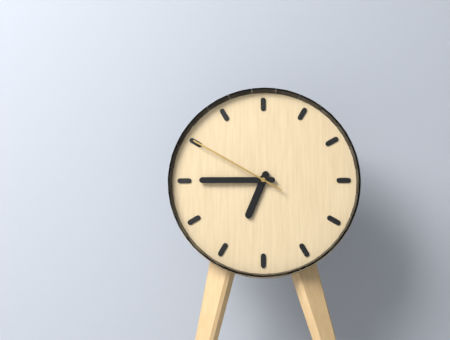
6:45:50
